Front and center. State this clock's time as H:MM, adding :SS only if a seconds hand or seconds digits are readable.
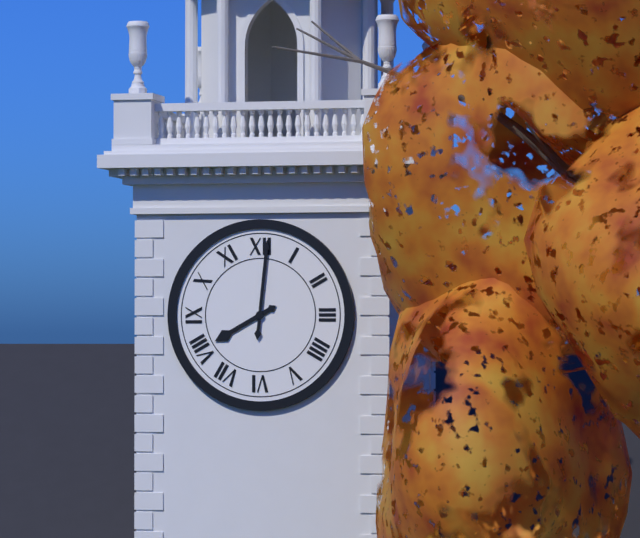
8:01
